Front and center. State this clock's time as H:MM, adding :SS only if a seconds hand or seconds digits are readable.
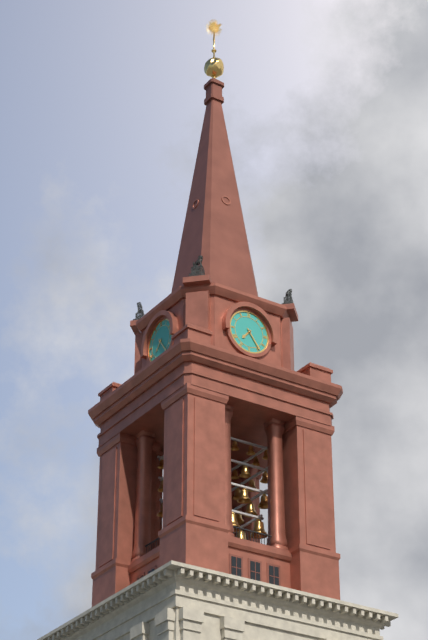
7:24
